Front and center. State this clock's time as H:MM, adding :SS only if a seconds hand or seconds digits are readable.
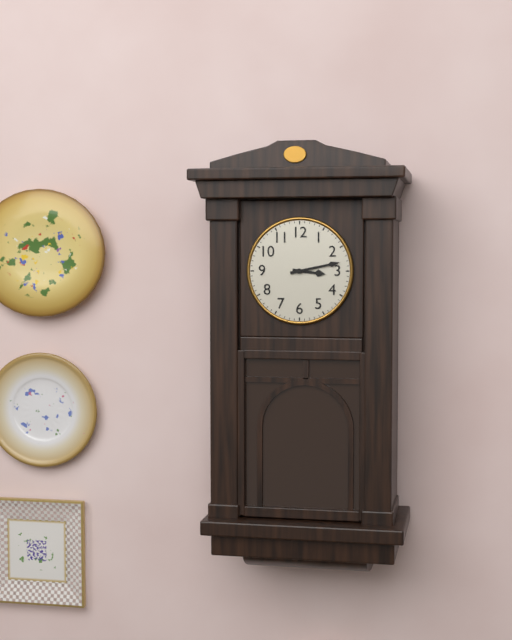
3:13
